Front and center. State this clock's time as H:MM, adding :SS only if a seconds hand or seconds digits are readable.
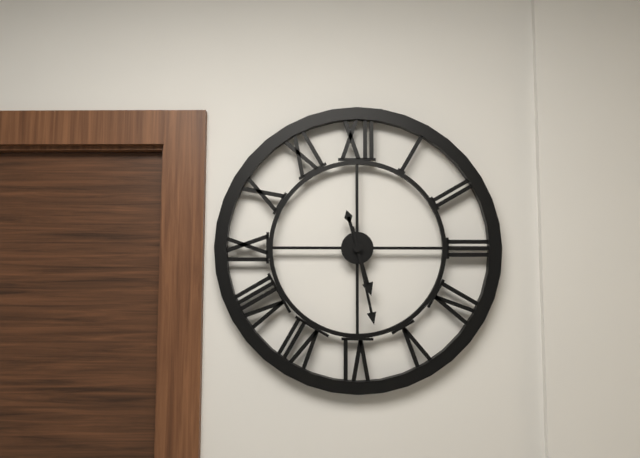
5:28
